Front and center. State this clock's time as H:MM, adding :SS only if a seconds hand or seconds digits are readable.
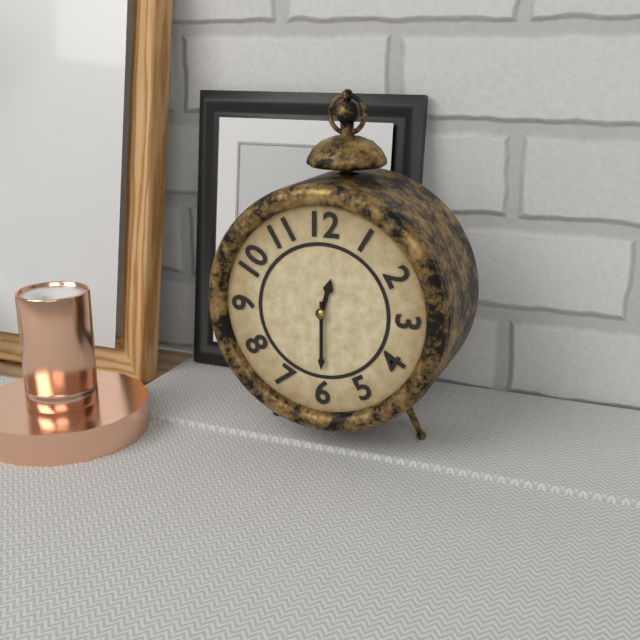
12:30
